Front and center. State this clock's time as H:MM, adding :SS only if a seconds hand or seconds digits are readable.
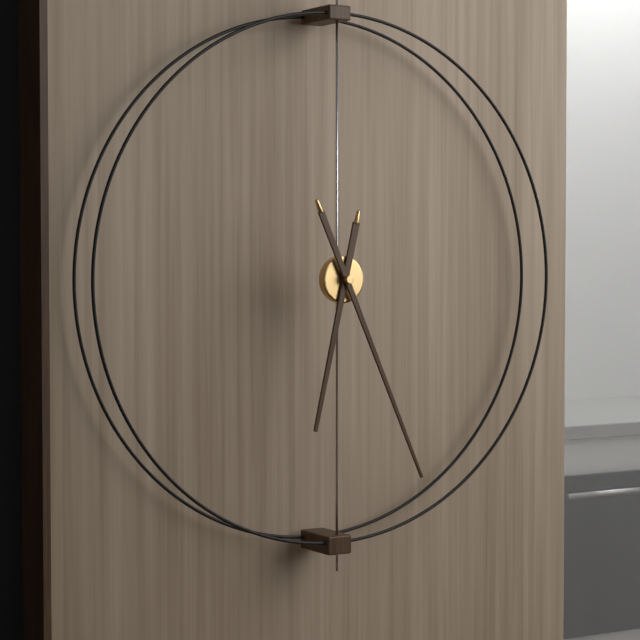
6:26
